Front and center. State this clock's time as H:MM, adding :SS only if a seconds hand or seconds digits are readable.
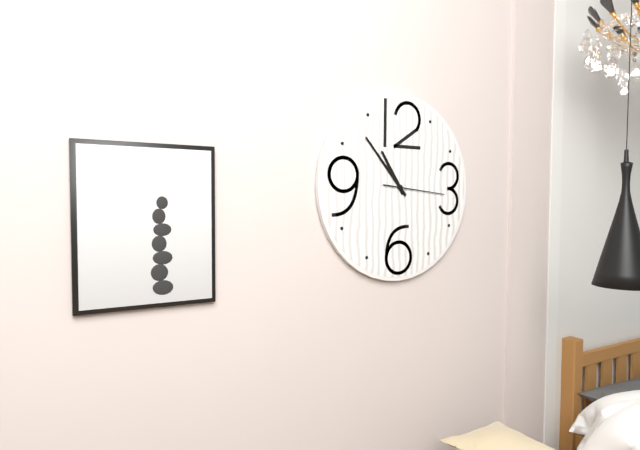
10:53:16
